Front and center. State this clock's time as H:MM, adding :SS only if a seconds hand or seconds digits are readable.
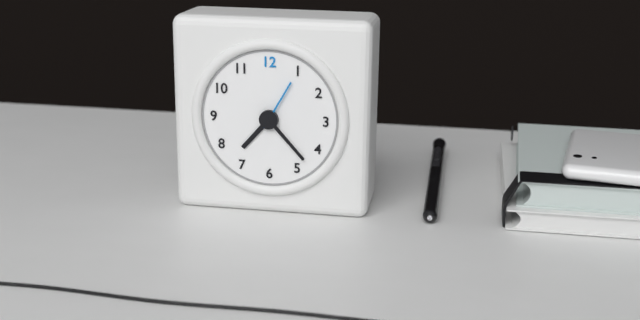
7:23:05
